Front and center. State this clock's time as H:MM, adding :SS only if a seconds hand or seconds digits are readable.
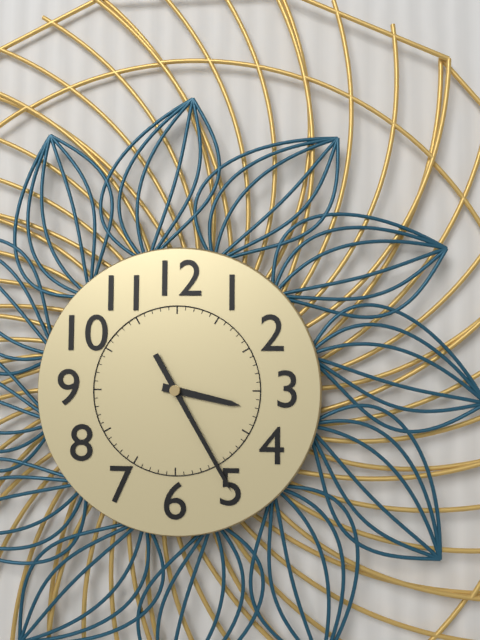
3:25
